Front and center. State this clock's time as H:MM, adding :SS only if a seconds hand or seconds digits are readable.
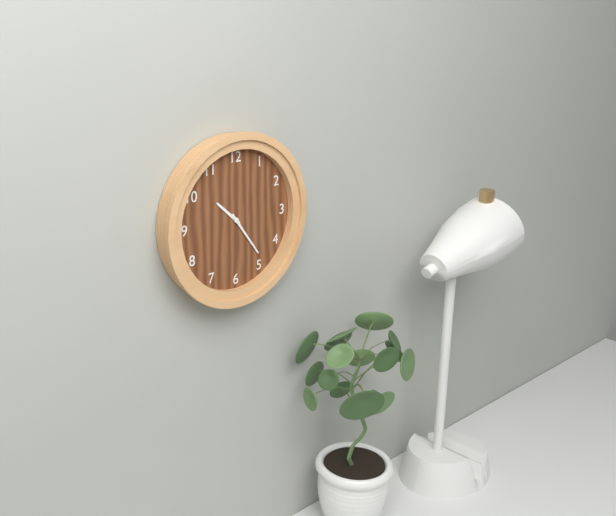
10:24
